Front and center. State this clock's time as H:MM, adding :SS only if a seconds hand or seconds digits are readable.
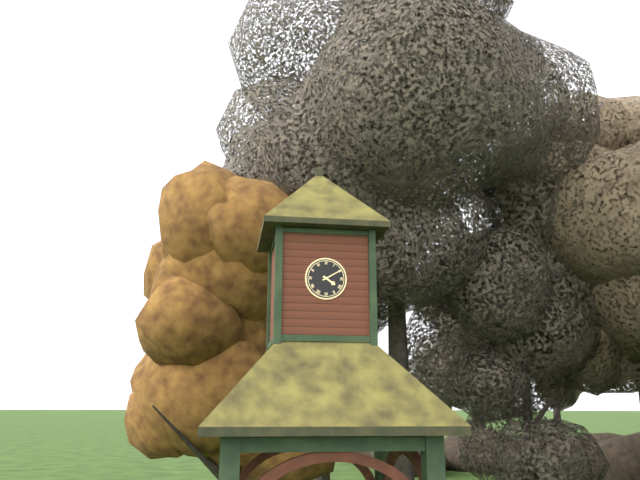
4:10
